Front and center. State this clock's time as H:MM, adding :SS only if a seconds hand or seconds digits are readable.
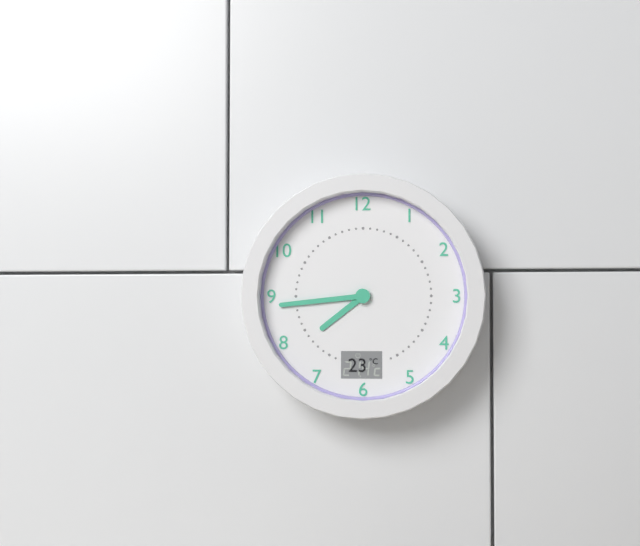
7:44
